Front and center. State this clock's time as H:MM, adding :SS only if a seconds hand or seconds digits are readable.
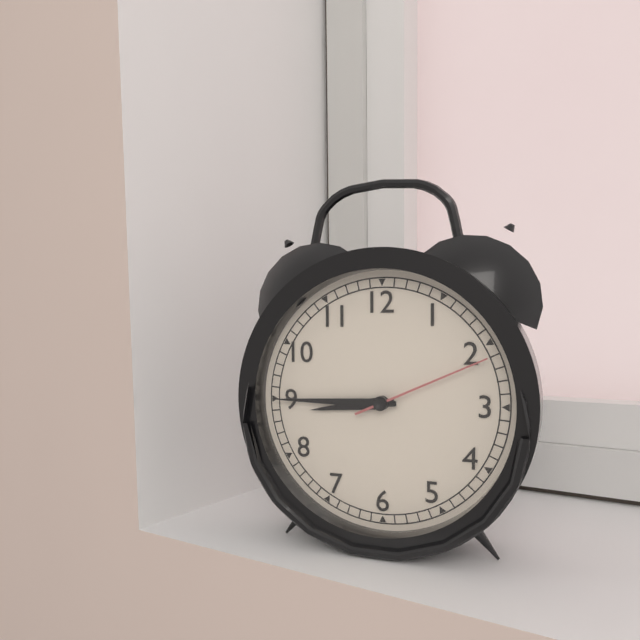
8:45:11
